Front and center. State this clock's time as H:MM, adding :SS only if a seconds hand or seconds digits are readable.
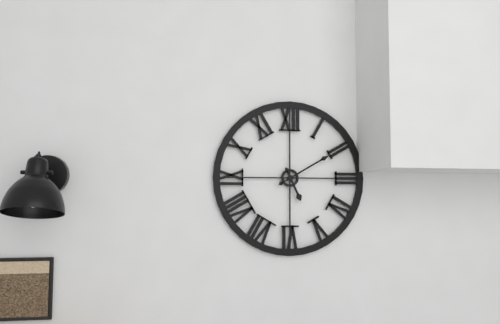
5:10
